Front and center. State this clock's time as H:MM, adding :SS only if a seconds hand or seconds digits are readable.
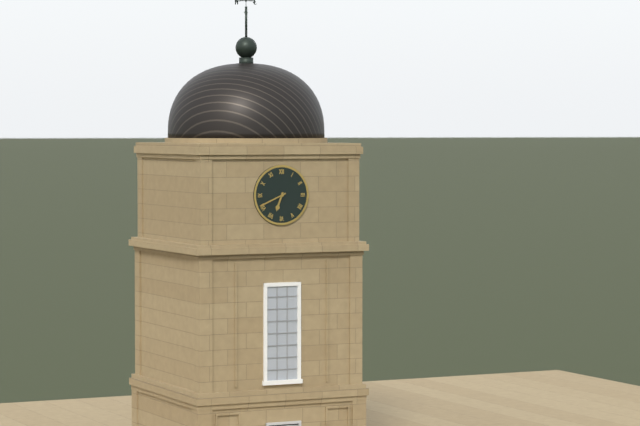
6:41
